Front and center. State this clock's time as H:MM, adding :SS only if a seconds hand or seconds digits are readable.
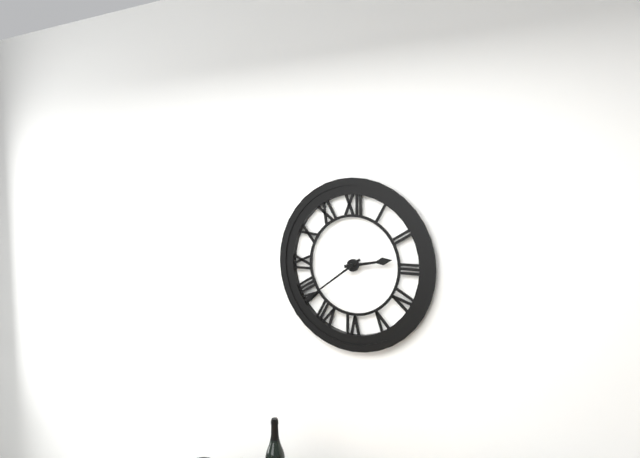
2:39
